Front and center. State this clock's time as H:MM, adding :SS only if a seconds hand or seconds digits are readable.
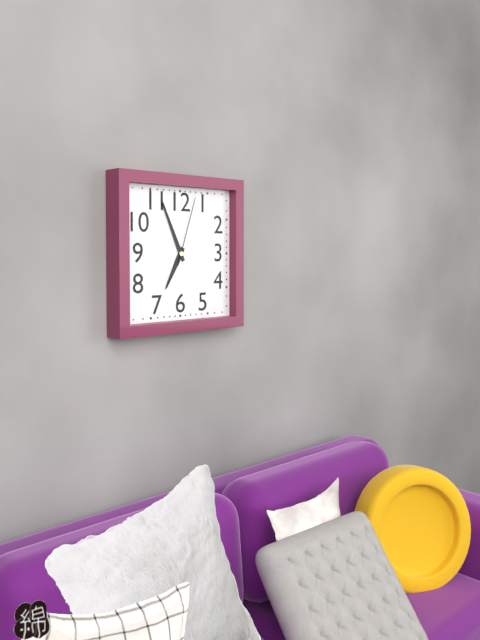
6:56:03
